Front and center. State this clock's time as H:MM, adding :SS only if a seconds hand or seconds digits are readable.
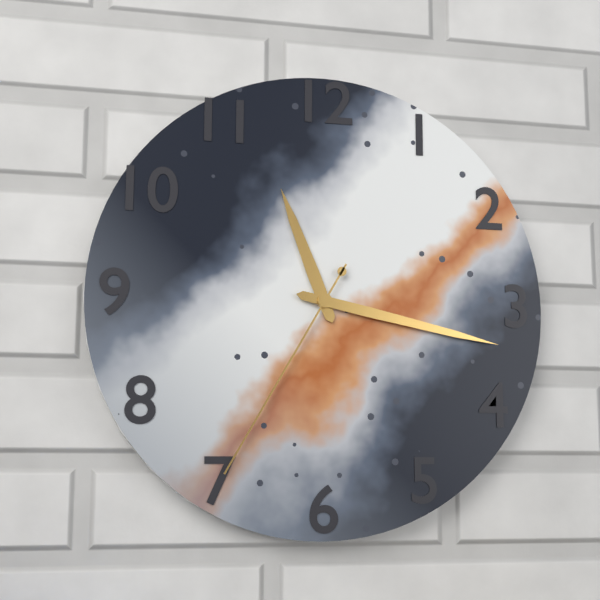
11:17:35
